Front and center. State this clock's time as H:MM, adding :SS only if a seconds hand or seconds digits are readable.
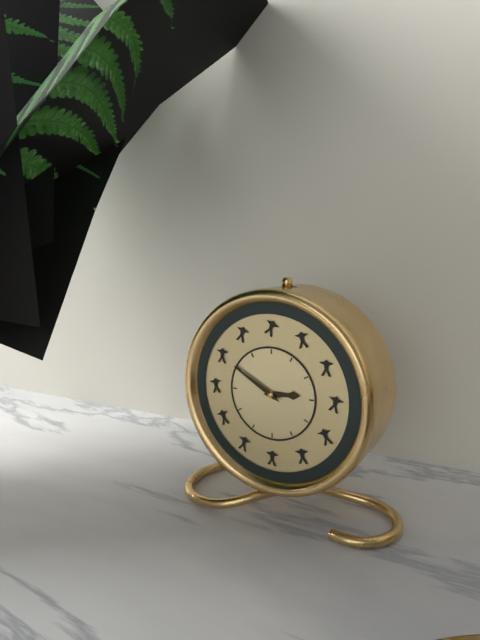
2:50
